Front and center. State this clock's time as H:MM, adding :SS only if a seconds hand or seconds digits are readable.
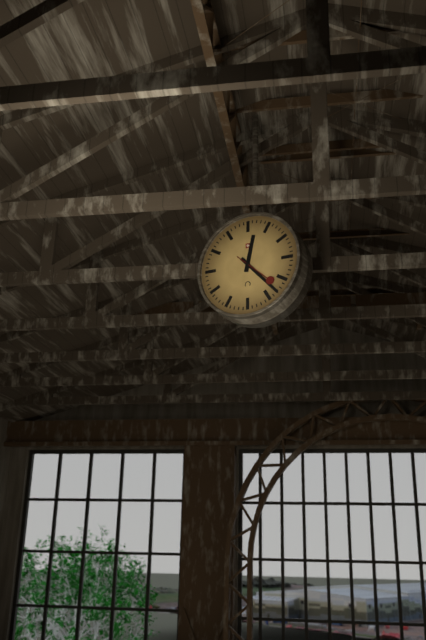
12:23
